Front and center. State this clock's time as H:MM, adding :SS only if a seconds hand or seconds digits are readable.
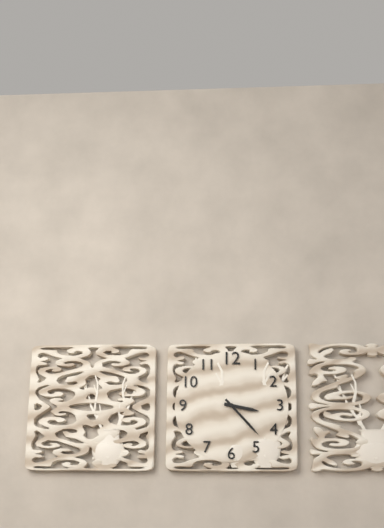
3:23
